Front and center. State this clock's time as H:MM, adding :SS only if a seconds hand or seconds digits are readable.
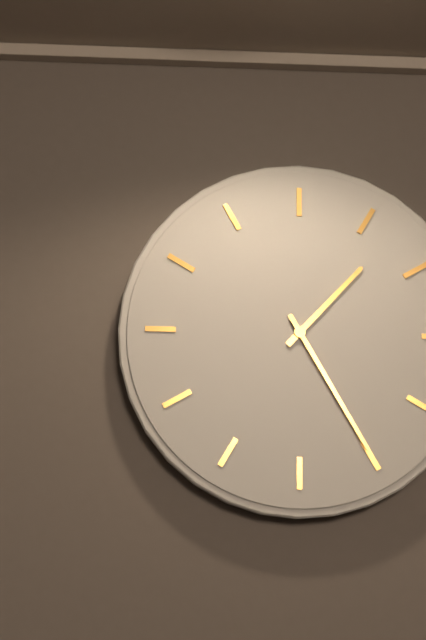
1:25
